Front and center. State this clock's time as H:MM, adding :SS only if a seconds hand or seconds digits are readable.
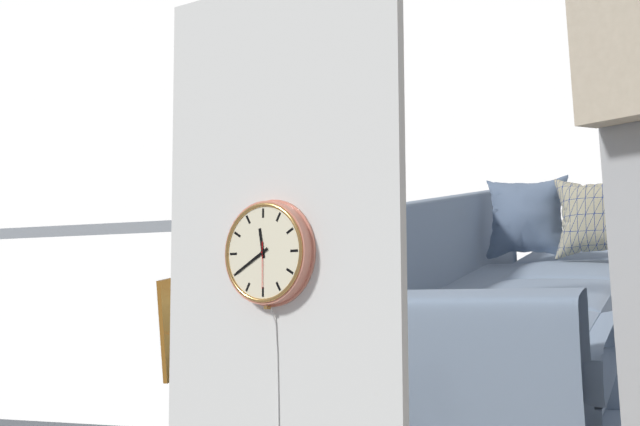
11:40
